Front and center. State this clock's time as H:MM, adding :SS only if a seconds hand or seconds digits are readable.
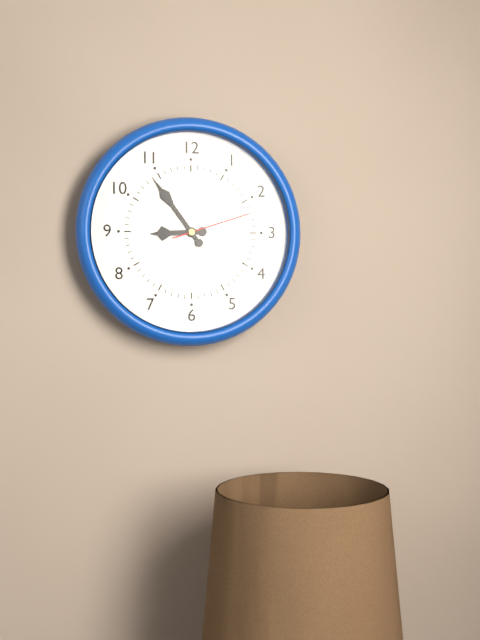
8:54:12
